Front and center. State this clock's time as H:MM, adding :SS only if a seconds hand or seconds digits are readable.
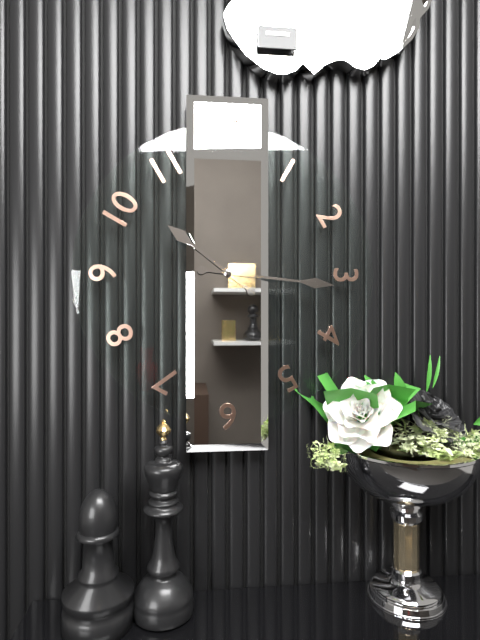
10:16
